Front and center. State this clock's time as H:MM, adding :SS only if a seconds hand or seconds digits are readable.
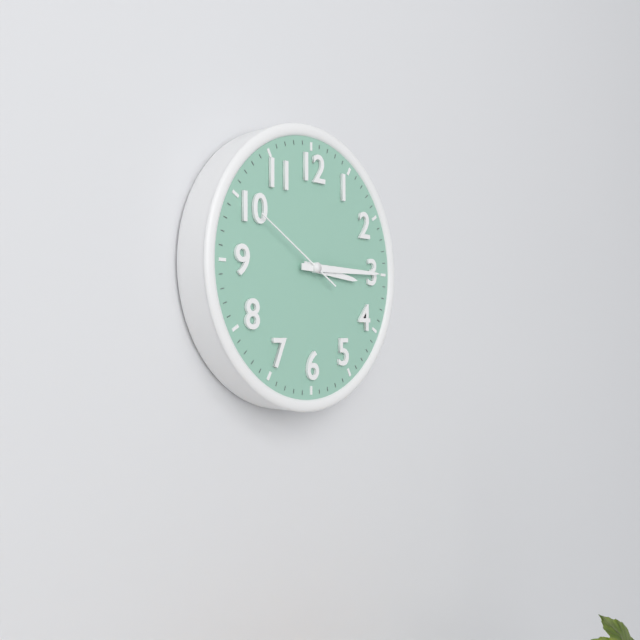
3:15:50
